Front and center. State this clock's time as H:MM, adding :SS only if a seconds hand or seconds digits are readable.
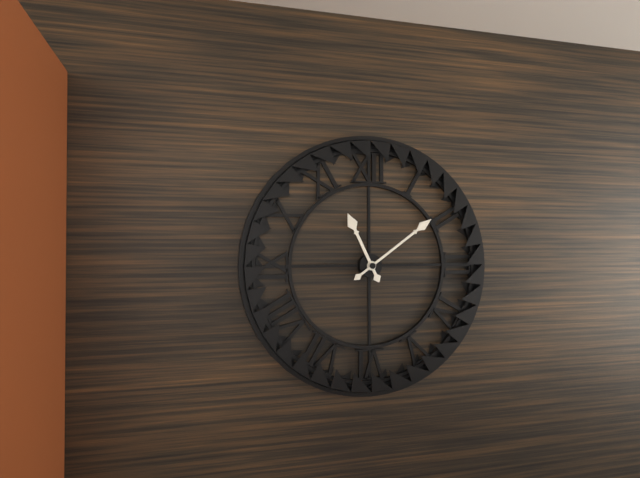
11:09
